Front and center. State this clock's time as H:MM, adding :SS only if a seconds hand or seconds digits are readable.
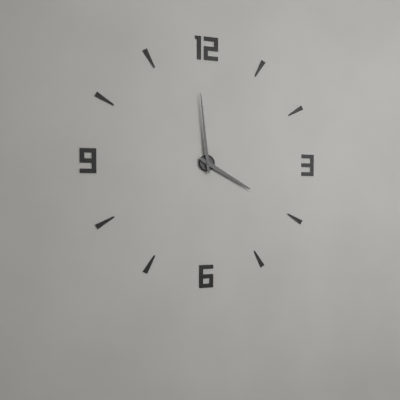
3:59
